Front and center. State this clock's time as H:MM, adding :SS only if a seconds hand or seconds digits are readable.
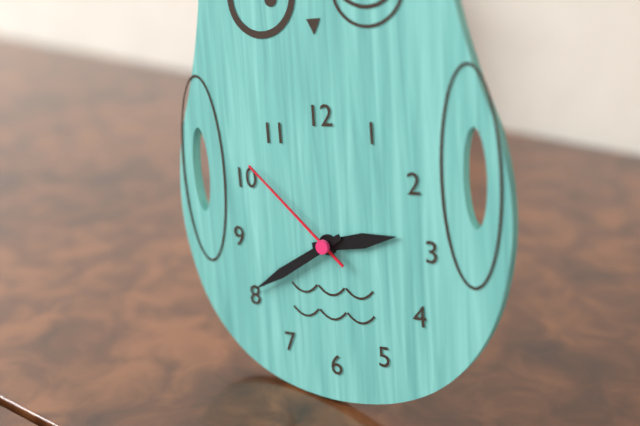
2:40:52
